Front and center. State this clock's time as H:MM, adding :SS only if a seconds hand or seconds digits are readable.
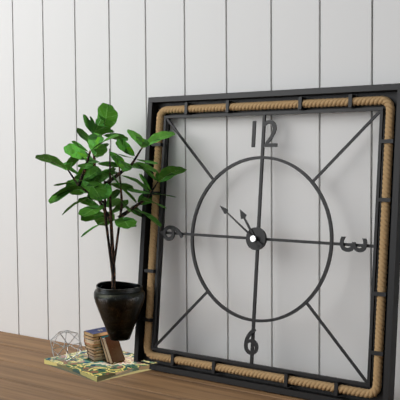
10:51
